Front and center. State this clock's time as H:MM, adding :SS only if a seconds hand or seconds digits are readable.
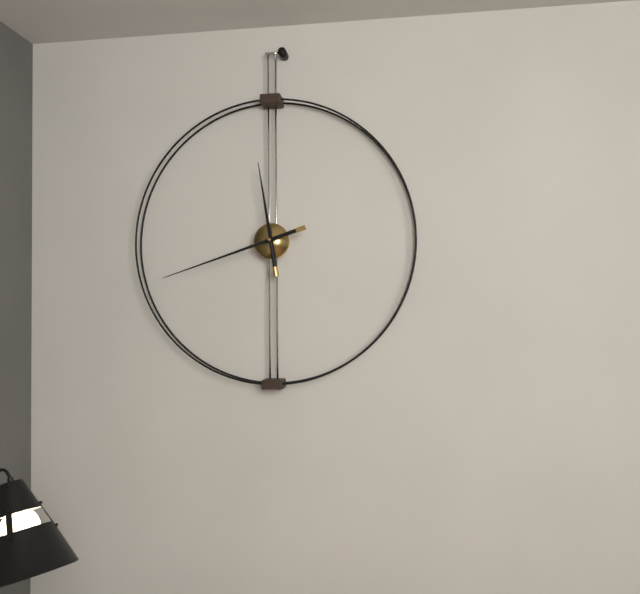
11:42
